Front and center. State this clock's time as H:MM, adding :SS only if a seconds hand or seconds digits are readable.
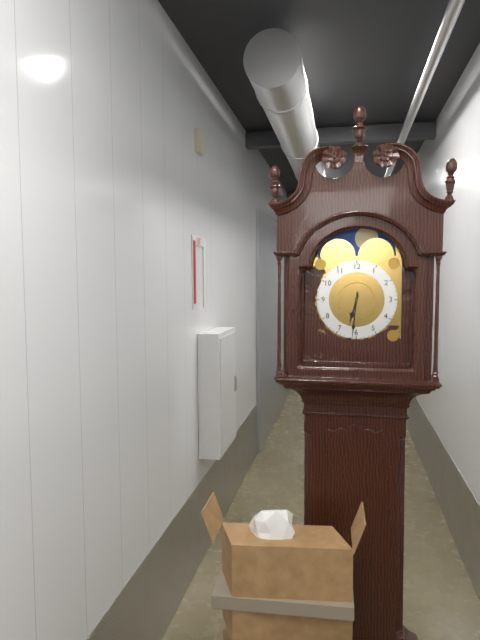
6:31
